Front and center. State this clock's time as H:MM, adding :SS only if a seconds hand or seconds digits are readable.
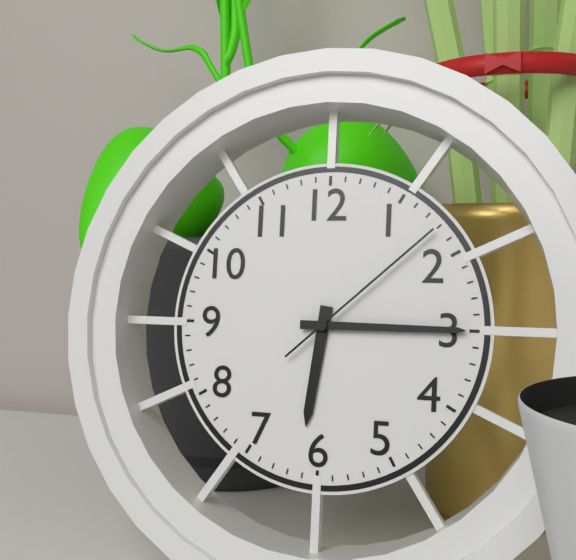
6:15:08
